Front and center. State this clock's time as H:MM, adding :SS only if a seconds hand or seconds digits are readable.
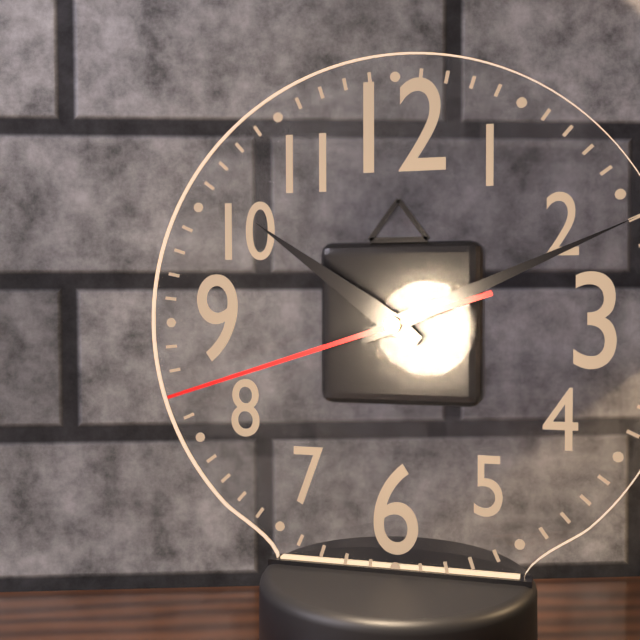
10:11:42
